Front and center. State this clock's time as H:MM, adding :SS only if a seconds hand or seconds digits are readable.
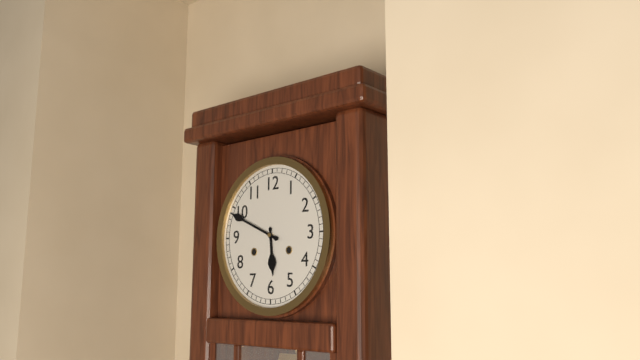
5:49
